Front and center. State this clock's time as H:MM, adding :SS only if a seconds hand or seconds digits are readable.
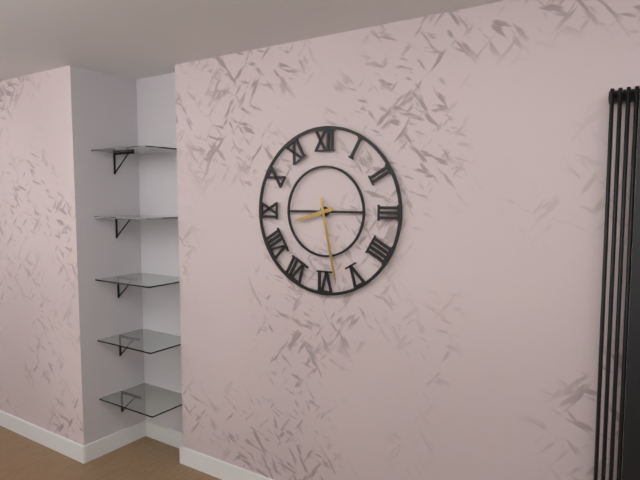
8:28
